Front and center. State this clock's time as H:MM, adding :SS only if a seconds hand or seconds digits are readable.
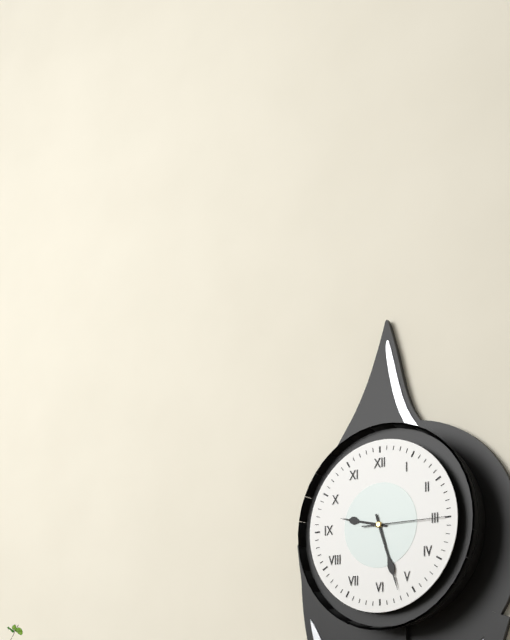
9:27:15
